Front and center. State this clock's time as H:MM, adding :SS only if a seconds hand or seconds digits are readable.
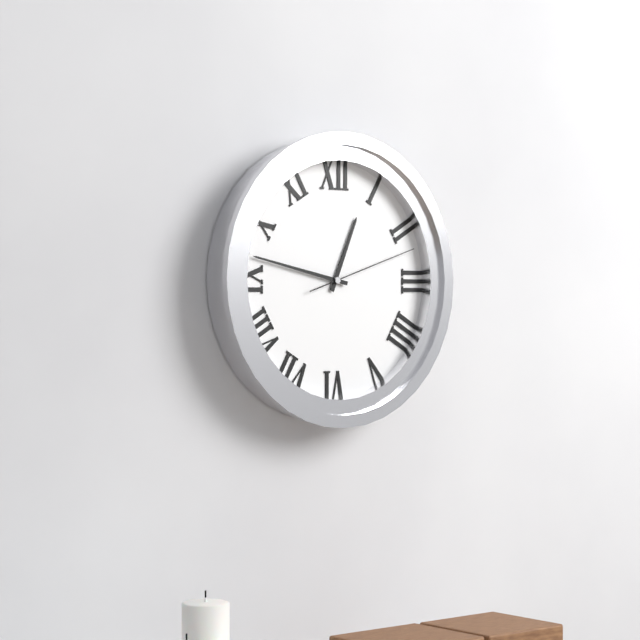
12:47:12
